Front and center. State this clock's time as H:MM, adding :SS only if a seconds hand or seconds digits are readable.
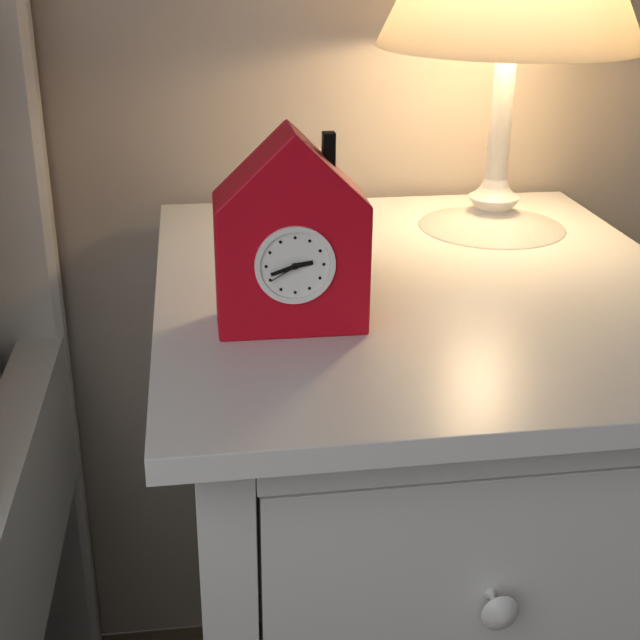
2:42
